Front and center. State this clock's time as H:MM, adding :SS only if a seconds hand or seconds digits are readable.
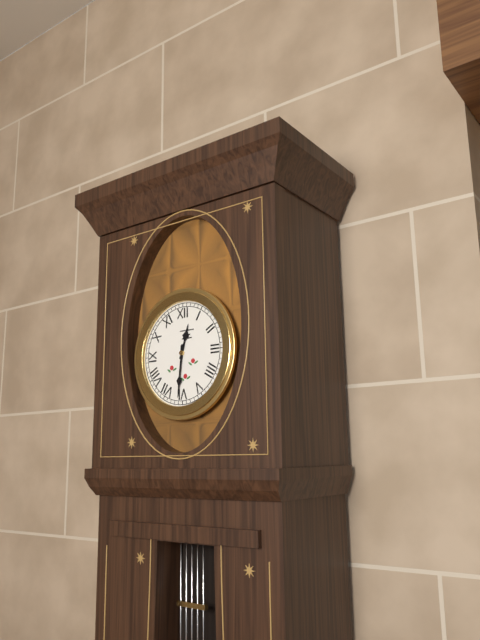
12:31
